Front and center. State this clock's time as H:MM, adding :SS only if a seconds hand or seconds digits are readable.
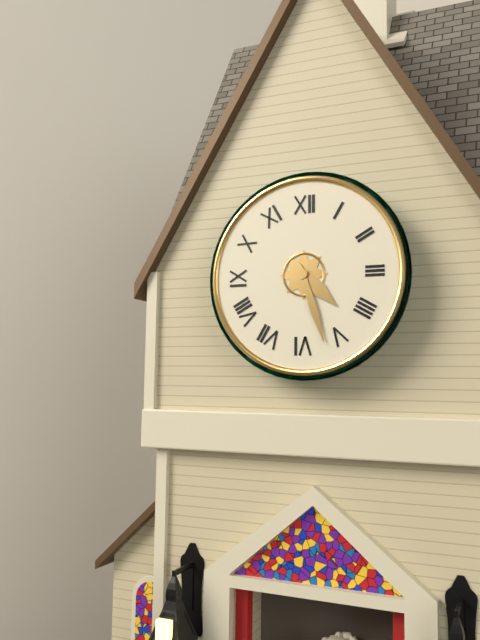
4:27
